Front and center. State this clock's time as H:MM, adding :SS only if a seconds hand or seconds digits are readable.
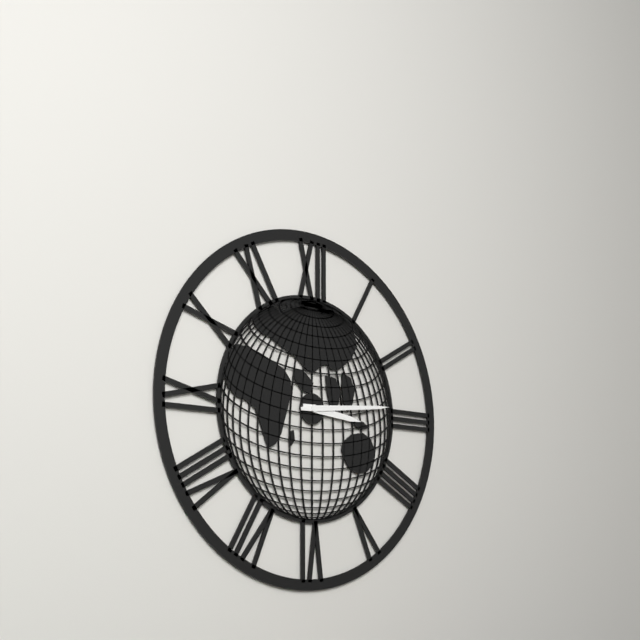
3:14
